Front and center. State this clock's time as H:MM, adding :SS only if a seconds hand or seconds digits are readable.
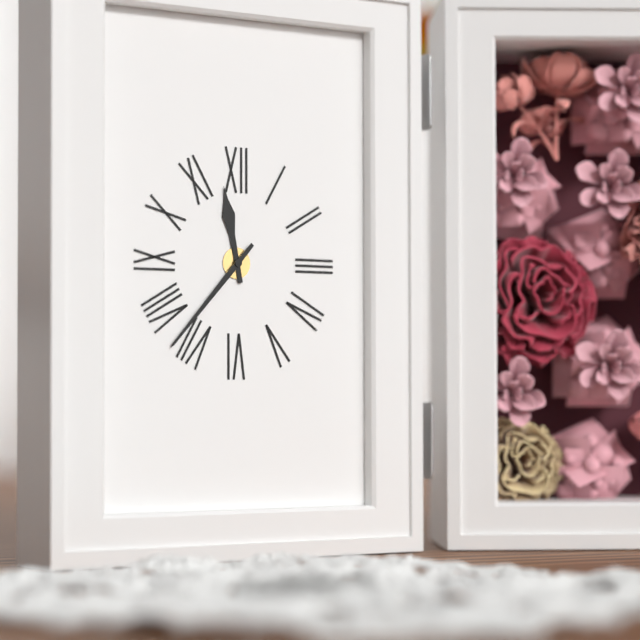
11:37
